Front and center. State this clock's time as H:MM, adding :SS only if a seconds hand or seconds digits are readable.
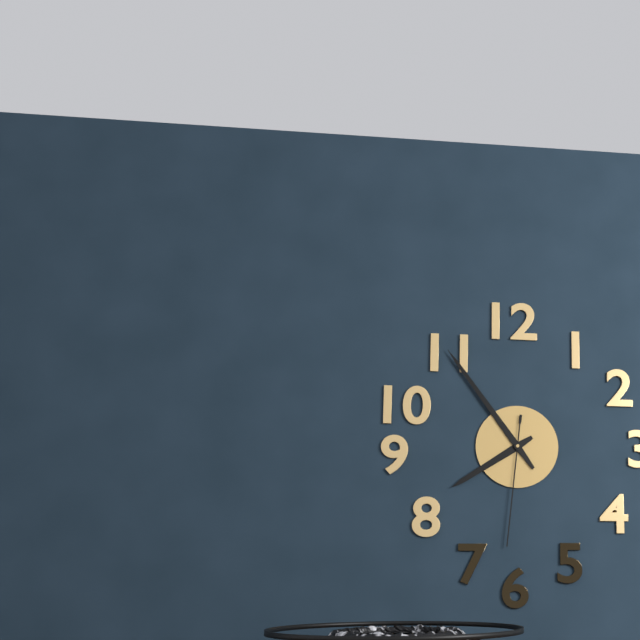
7:54:31
